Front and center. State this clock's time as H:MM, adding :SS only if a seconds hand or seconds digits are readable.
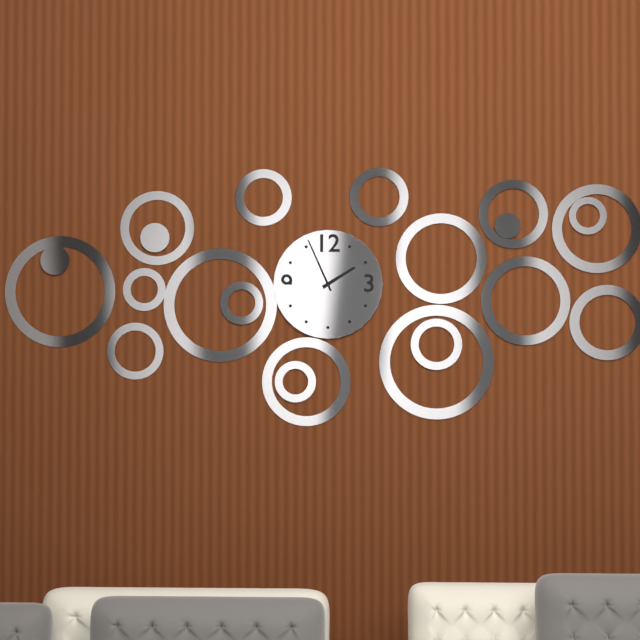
1:56
